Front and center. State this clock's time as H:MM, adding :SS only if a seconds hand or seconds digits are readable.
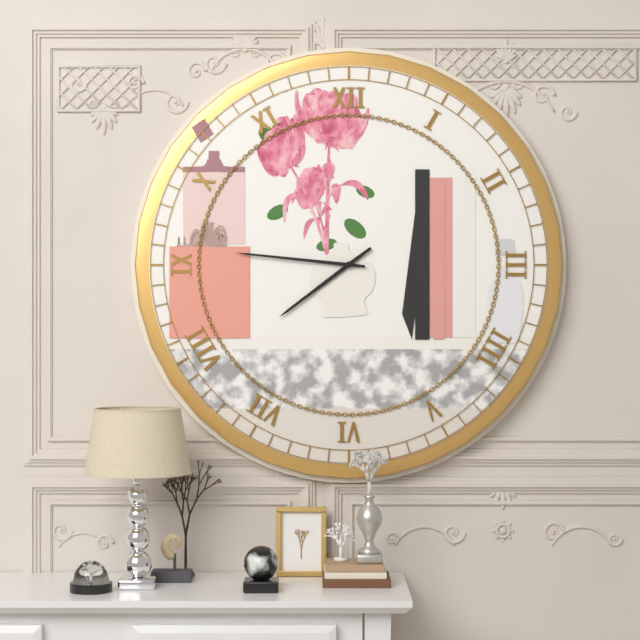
7:46
